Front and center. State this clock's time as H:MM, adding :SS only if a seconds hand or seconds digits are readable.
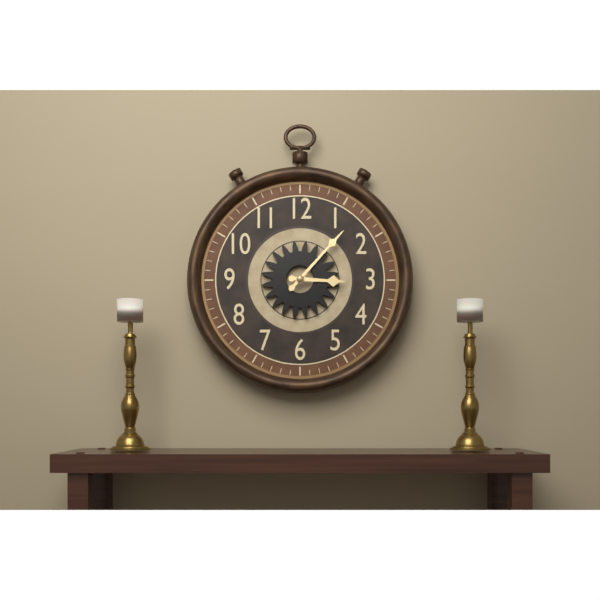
3:07
